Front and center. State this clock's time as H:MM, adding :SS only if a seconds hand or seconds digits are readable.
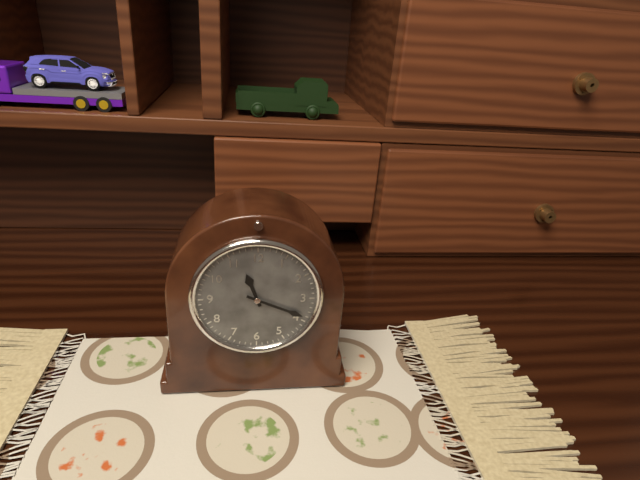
11:19
